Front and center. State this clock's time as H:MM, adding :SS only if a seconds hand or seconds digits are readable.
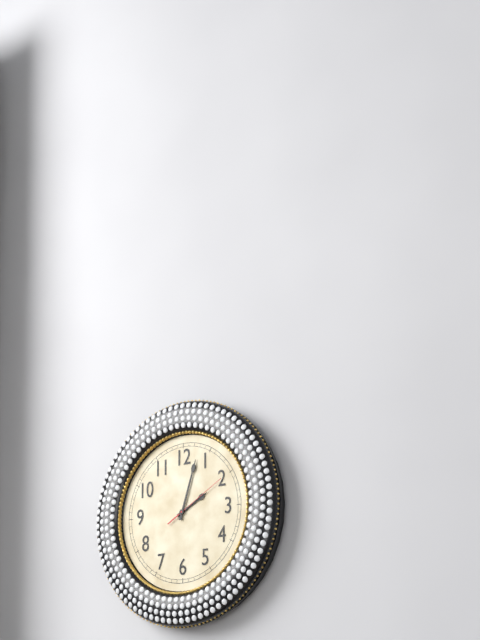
2:03:10
